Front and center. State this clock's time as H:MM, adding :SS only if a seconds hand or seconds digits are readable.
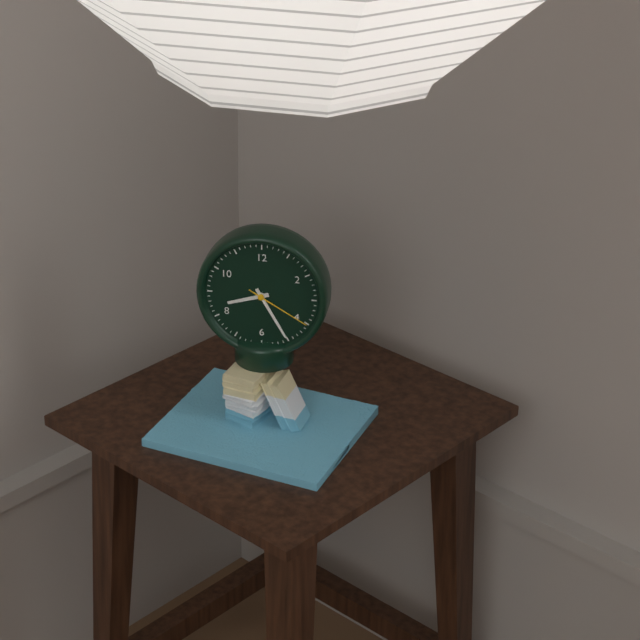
8:25:20
